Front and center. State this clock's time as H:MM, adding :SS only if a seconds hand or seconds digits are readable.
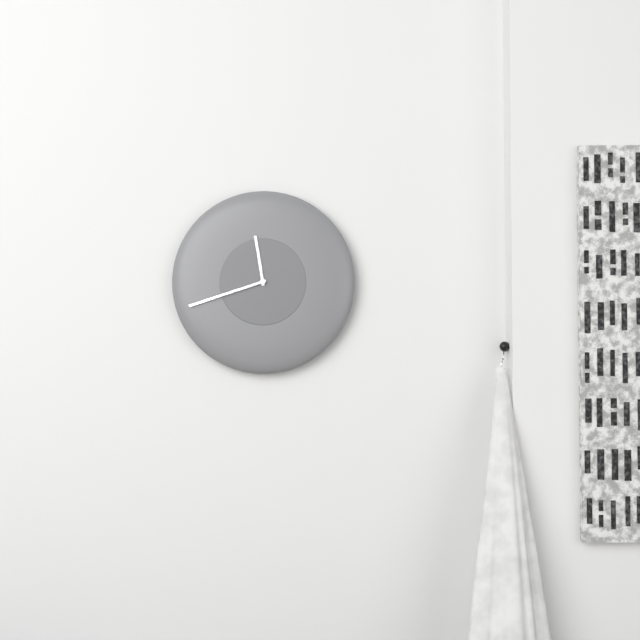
11:42
